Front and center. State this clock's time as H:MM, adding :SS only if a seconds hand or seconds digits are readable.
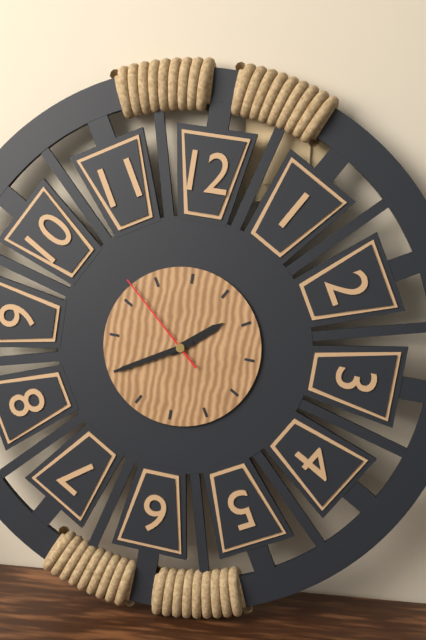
1:40:52
